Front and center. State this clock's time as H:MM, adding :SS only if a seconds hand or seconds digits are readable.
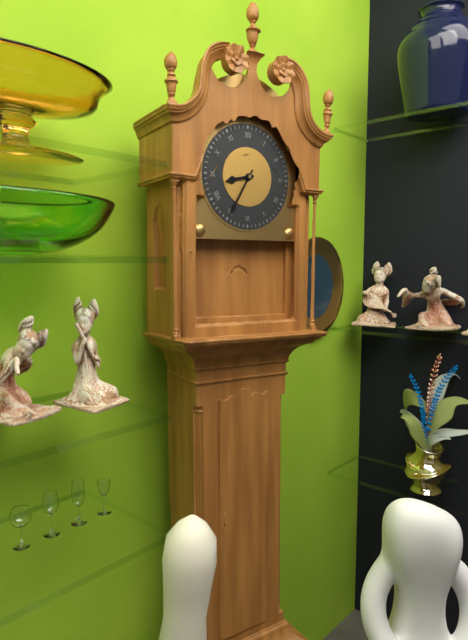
8:35
